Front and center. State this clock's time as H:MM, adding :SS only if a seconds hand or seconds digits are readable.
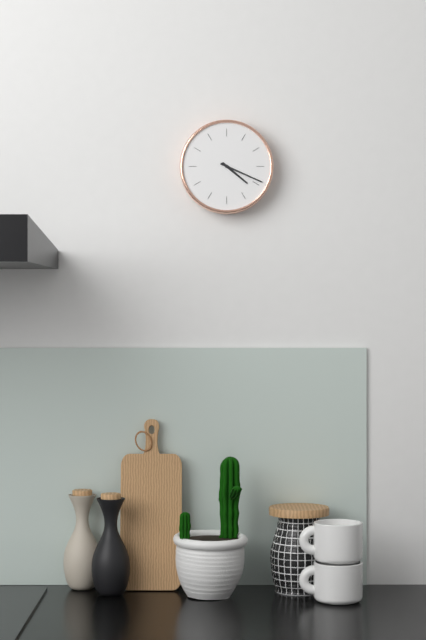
4:19
